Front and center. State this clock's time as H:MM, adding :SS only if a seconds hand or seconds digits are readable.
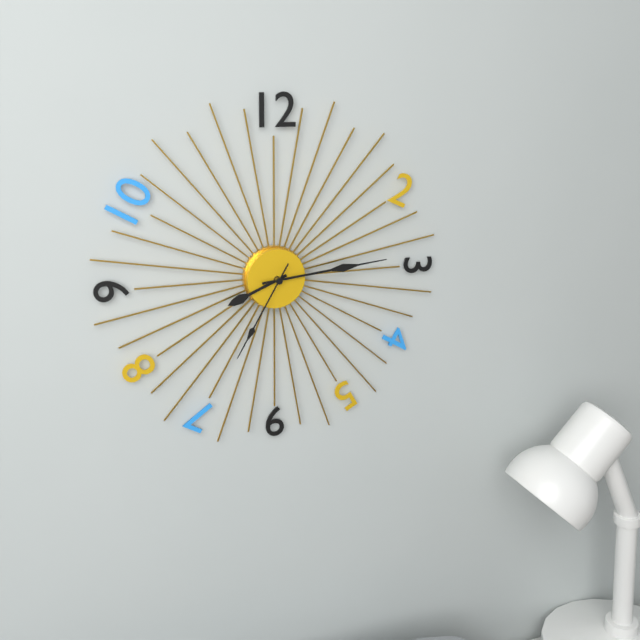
8:14:35
